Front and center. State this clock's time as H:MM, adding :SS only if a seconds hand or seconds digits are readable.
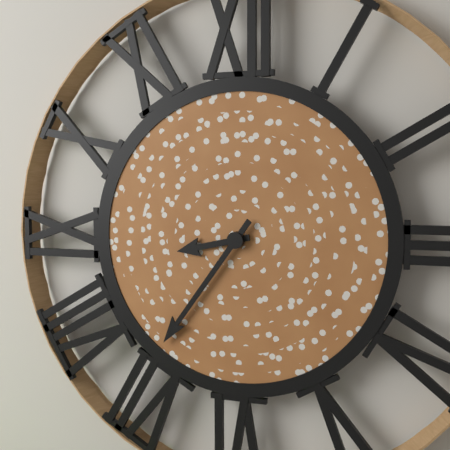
8:36
